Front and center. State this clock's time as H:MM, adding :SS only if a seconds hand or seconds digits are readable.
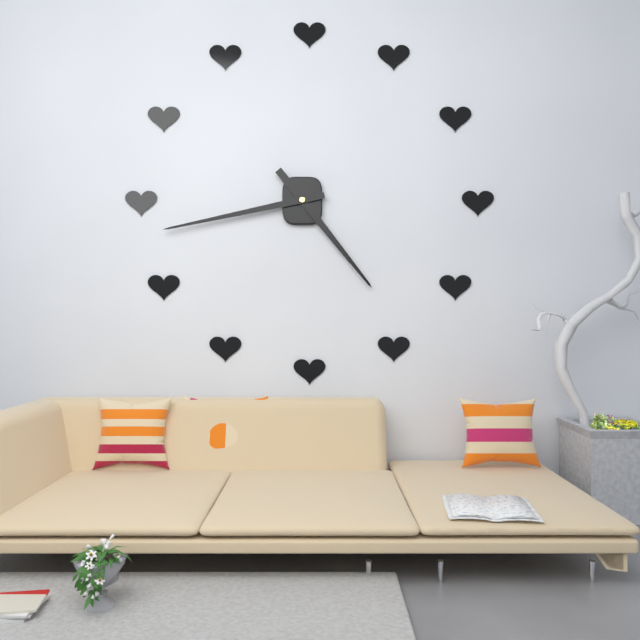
4:43
